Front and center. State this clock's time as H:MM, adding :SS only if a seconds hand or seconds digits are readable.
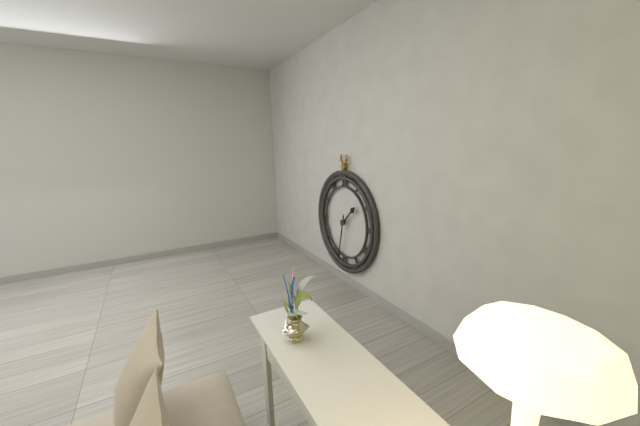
1:32
